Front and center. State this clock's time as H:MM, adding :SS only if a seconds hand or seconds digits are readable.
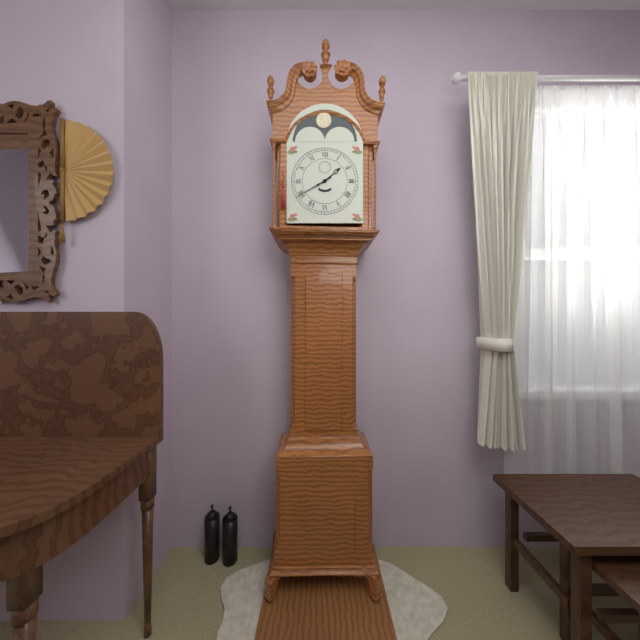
1:40
